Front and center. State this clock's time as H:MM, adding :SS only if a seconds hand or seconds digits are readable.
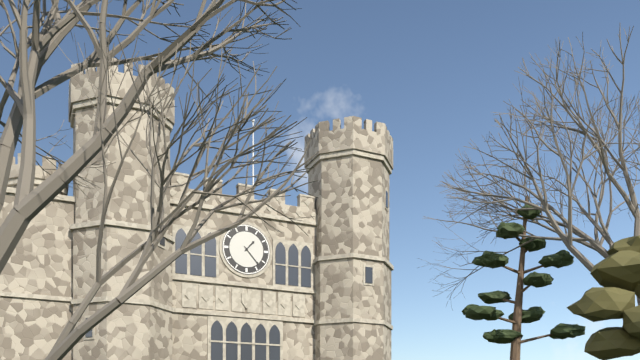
1:23
